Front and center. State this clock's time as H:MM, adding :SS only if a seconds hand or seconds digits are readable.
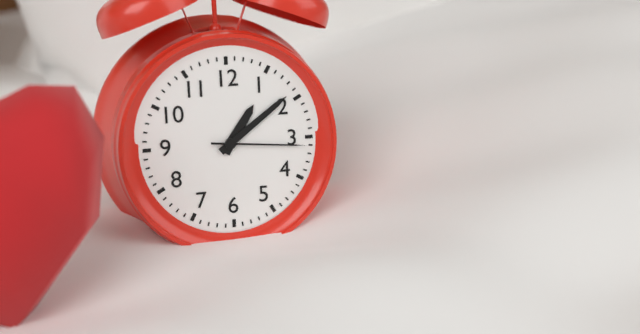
1:09:16
